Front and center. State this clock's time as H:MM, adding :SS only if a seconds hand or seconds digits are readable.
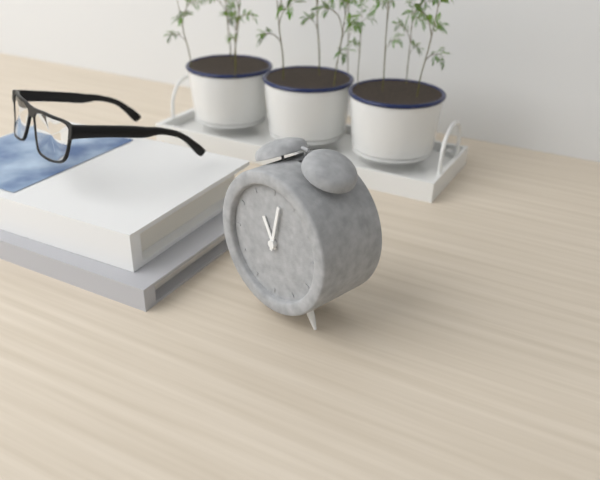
11:02
